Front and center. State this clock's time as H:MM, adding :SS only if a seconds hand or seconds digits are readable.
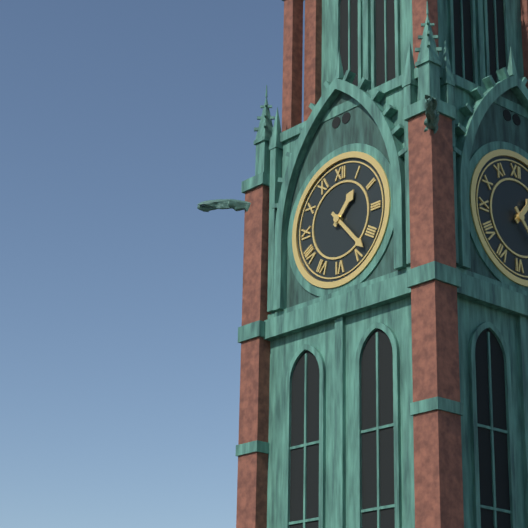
1:23
